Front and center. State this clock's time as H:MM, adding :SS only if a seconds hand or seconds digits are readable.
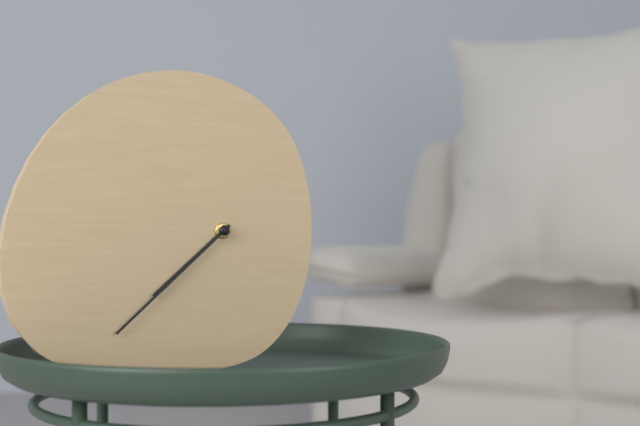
7:38
